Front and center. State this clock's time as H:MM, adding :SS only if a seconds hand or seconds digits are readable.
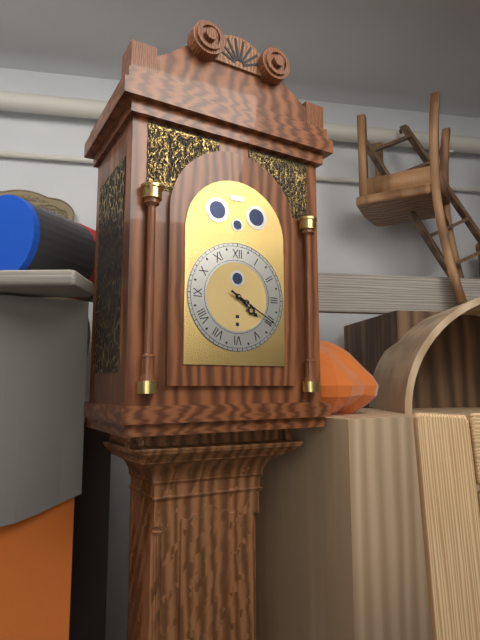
4:20
